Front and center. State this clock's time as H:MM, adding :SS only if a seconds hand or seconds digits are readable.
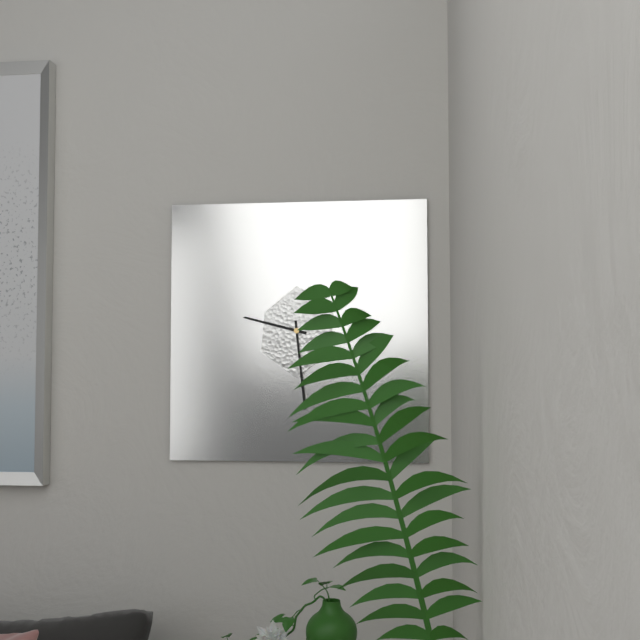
9:29
